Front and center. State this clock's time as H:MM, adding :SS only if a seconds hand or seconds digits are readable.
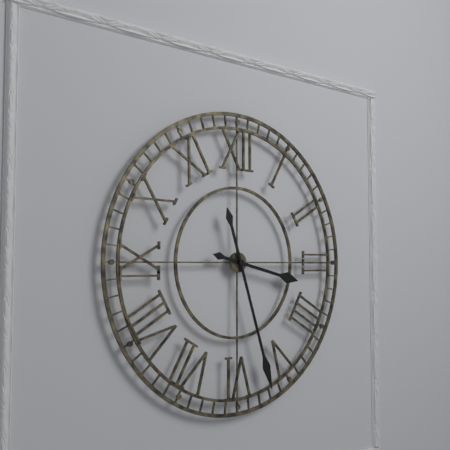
3:27
